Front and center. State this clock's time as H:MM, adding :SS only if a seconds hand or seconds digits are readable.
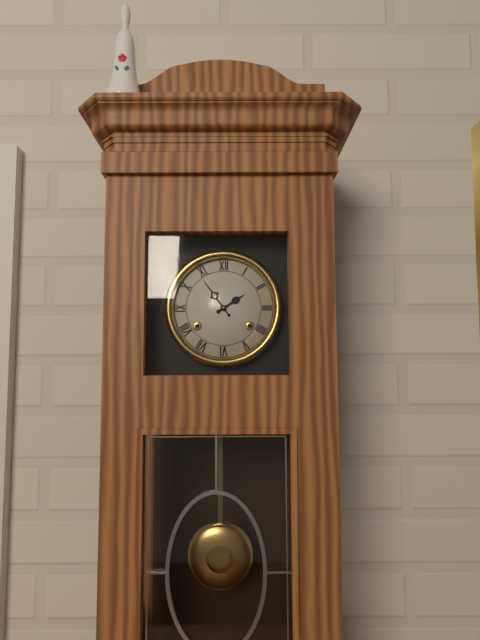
1:54
